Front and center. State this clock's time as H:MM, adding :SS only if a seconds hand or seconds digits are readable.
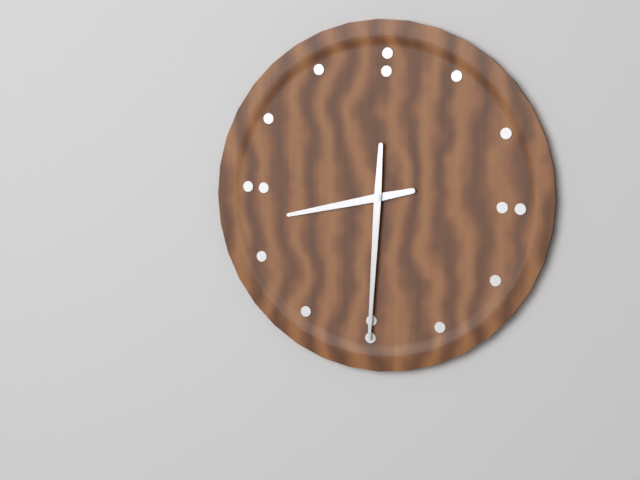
8:30
